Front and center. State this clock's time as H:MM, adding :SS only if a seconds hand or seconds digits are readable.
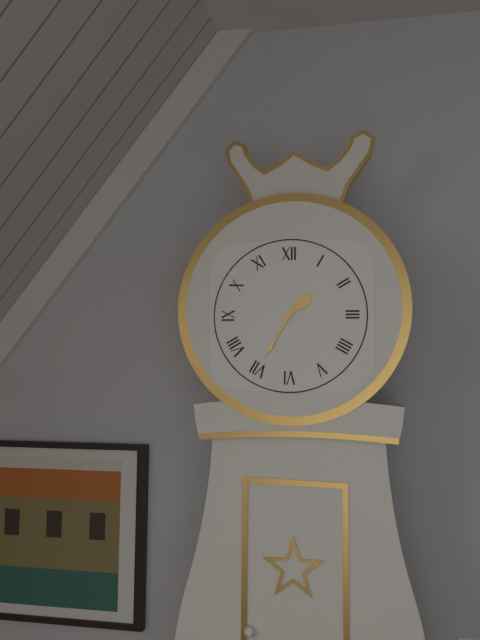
1:35
